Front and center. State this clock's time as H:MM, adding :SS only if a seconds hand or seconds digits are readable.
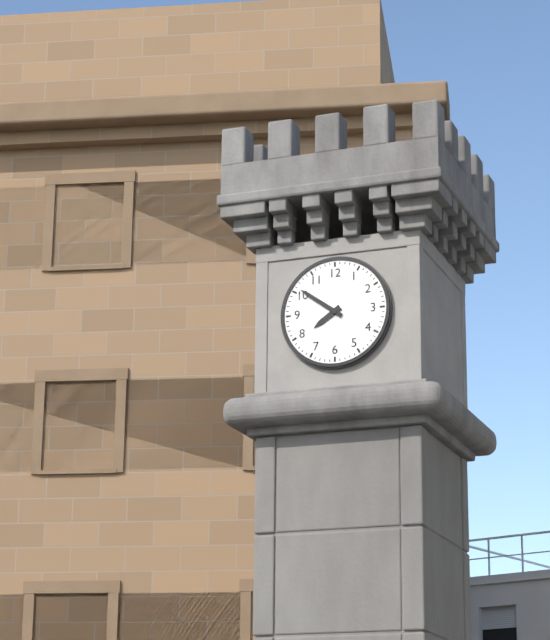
7:51
